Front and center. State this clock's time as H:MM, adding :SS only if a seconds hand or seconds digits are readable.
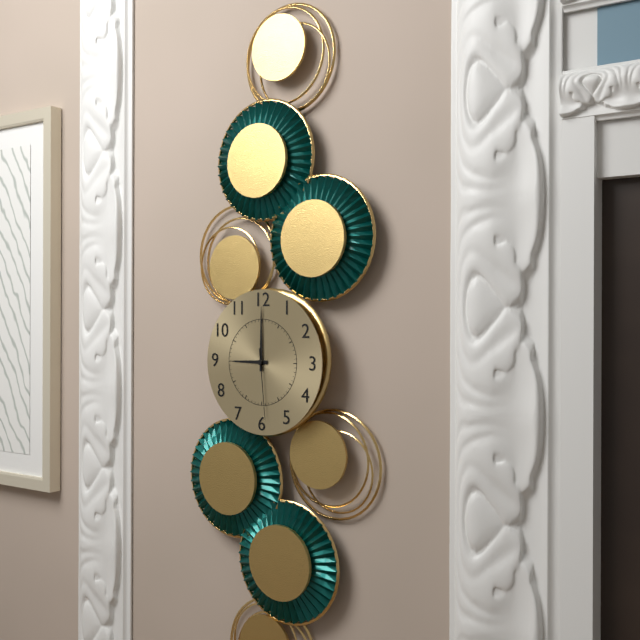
9:00:29
